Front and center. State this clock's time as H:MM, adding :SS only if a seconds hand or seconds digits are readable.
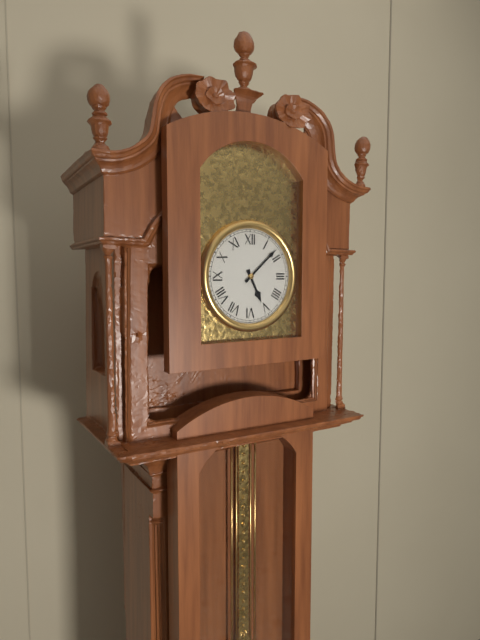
5:08
